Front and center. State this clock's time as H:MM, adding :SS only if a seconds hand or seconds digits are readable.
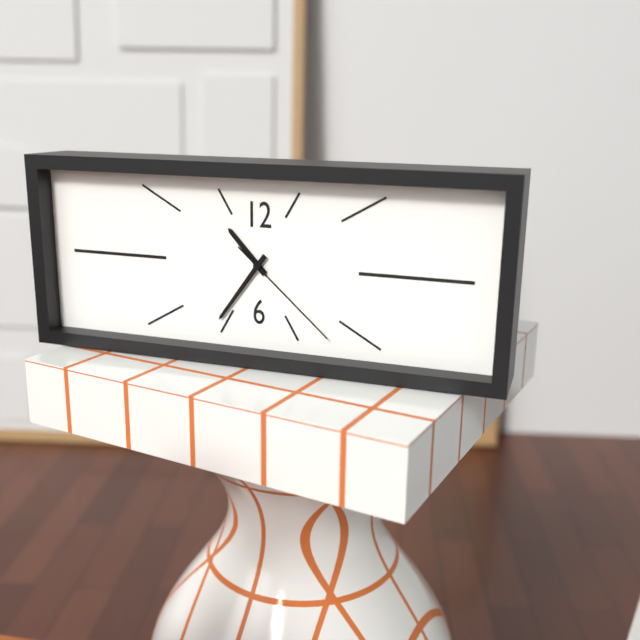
10:36:22
